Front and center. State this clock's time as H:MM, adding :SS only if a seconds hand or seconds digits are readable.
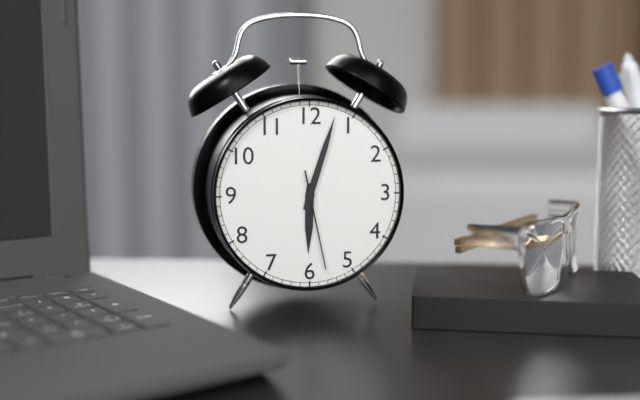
6:03:28
